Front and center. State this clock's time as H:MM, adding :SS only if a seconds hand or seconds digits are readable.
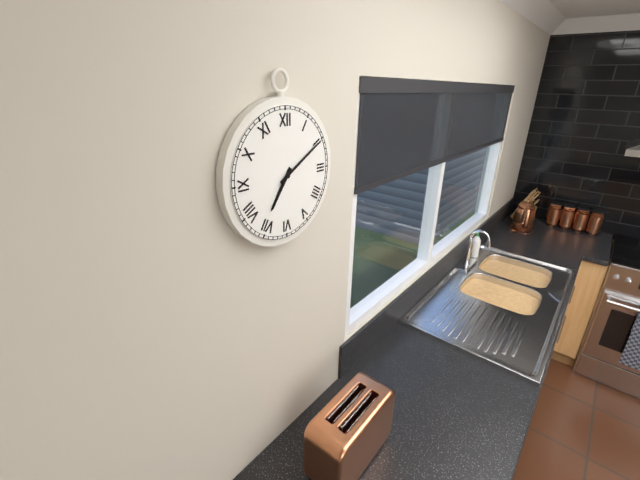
7:10
